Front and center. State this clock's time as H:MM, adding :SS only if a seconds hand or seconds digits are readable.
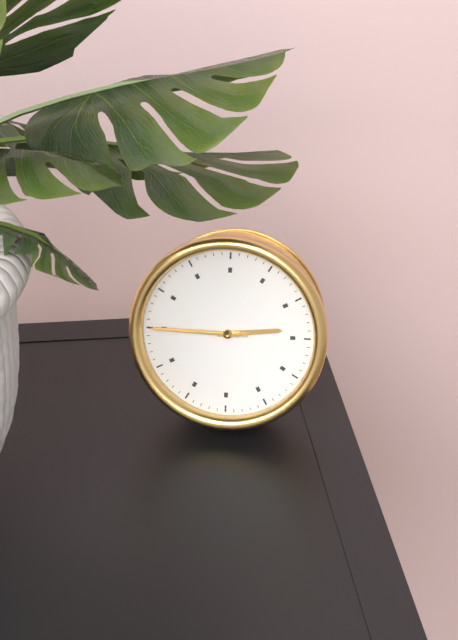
2:45:45
